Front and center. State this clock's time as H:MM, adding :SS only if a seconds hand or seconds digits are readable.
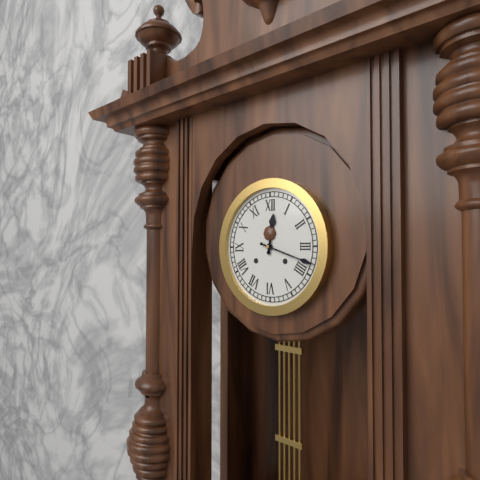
12:18
